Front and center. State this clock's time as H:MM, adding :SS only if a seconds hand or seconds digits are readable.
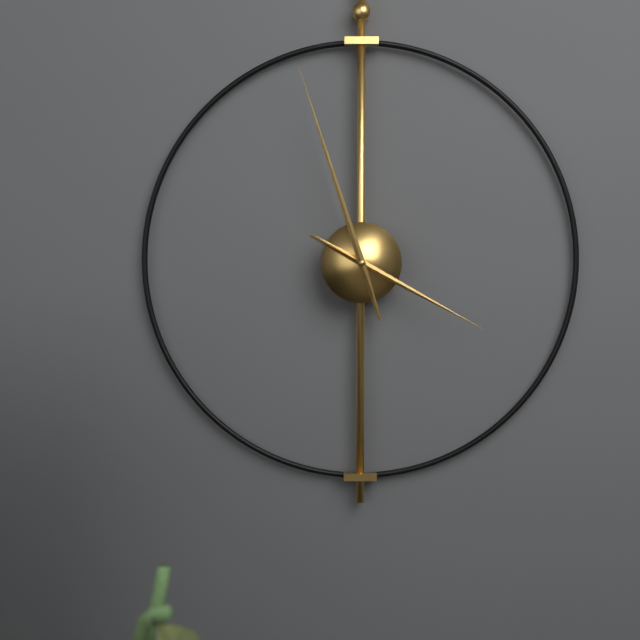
3:57
